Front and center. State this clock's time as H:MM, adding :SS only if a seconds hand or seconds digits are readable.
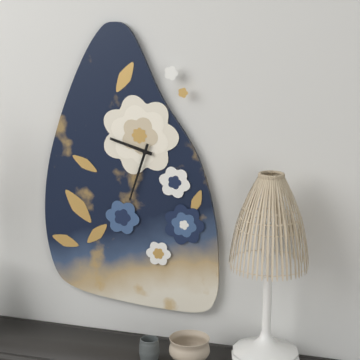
9:33
